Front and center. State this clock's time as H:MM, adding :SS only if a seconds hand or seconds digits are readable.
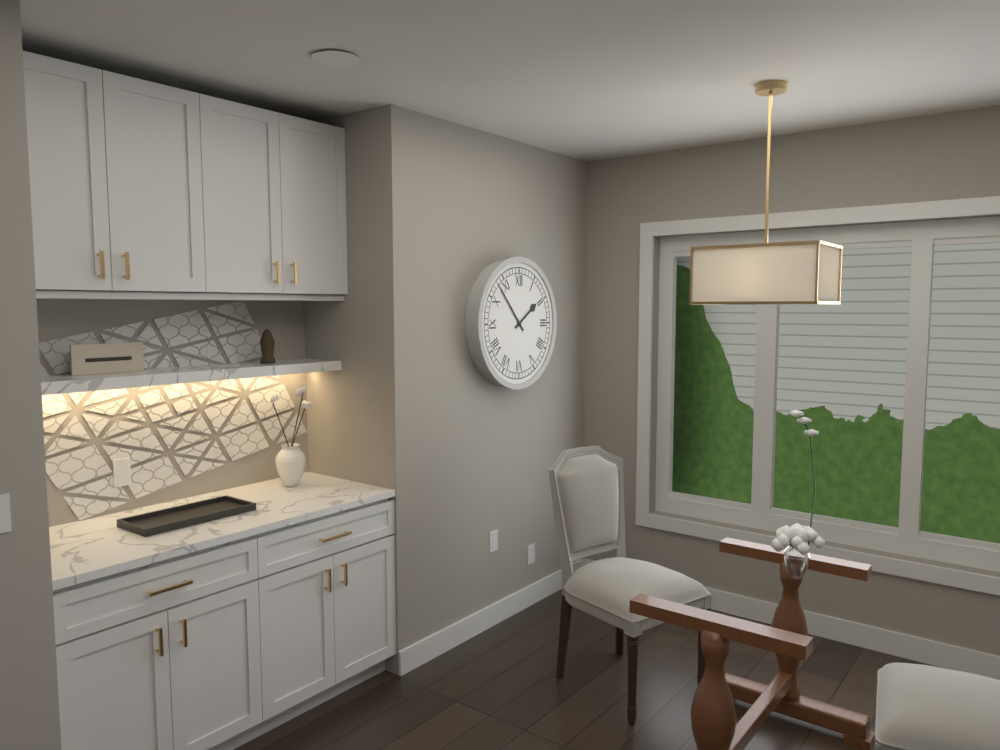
1:53
